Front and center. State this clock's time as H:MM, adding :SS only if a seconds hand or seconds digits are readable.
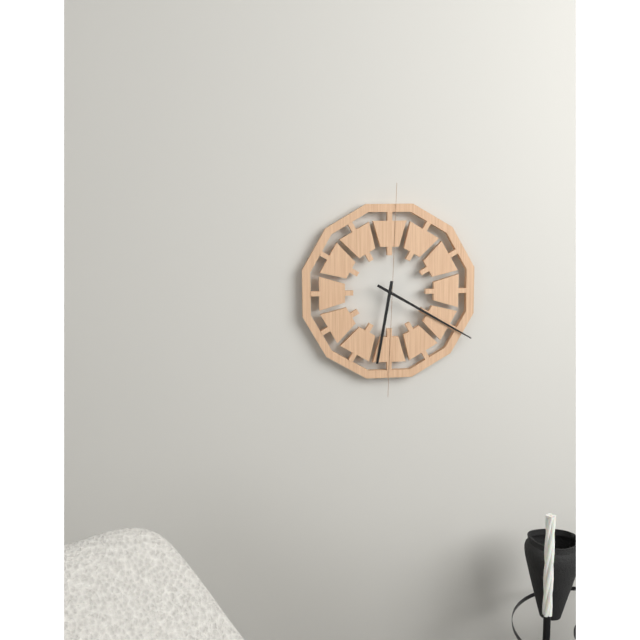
6:20
